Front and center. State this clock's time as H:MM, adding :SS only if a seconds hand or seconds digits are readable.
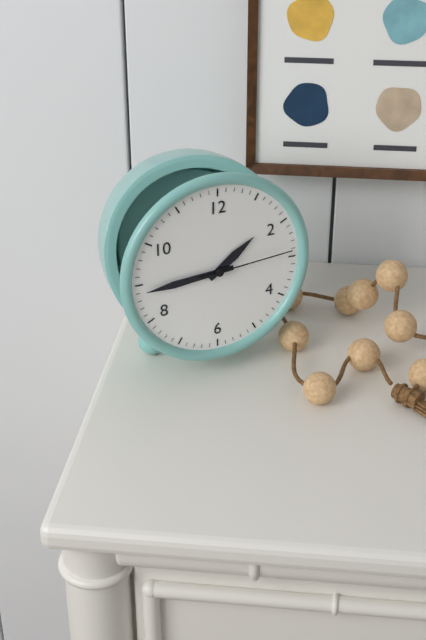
1:44:14
